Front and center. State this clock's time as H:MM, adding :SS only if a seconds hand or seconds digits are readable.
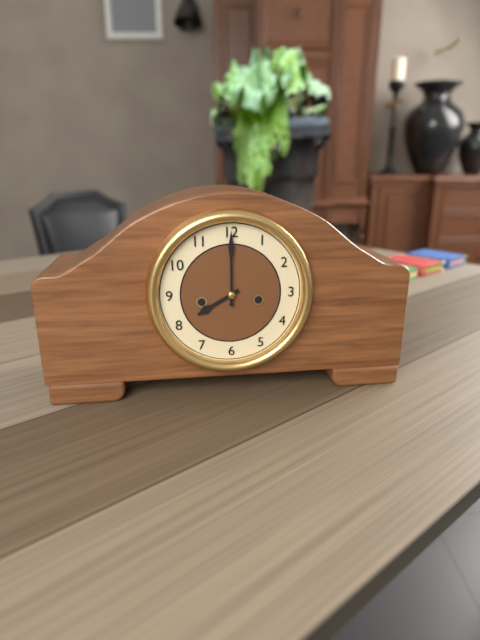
8:00
